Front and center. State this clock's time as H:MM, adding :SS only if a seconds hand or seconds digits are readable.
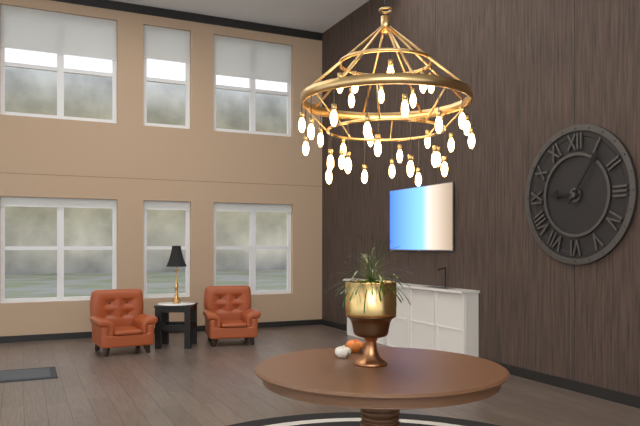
9:06
